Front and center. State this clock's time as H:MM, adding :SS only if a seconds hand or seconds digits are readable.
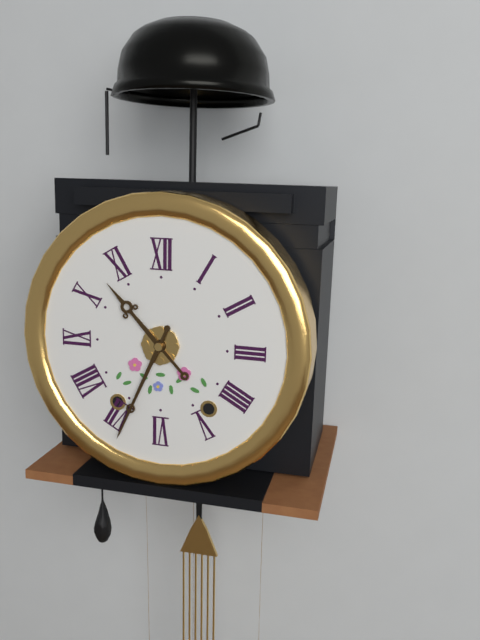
10:34
